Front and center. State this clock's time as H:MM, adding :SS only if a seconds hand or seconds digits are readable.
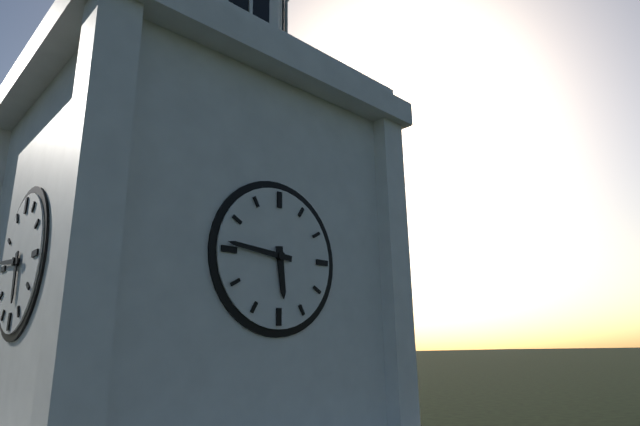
5:46
